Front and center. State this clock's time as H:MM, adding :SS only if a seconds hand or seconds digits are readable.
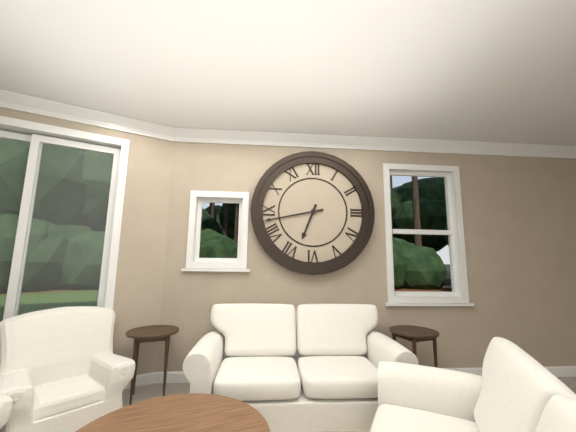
6:43
